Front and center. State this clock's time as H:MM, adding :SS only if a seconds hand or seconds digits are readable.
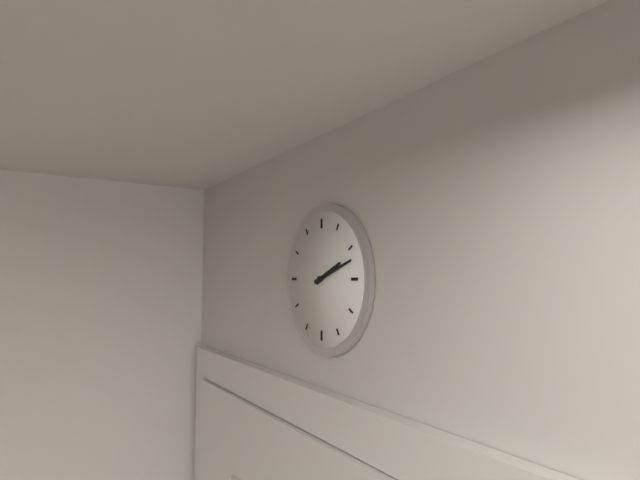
2:12
